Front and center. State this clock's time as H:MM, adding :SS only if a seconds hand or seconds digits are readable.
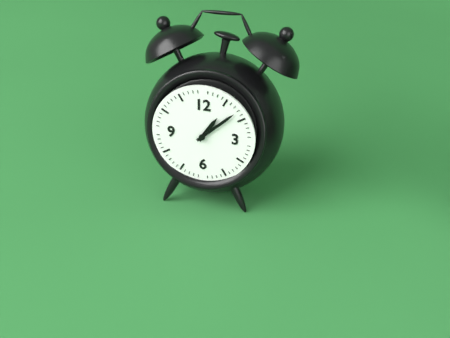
1:08
